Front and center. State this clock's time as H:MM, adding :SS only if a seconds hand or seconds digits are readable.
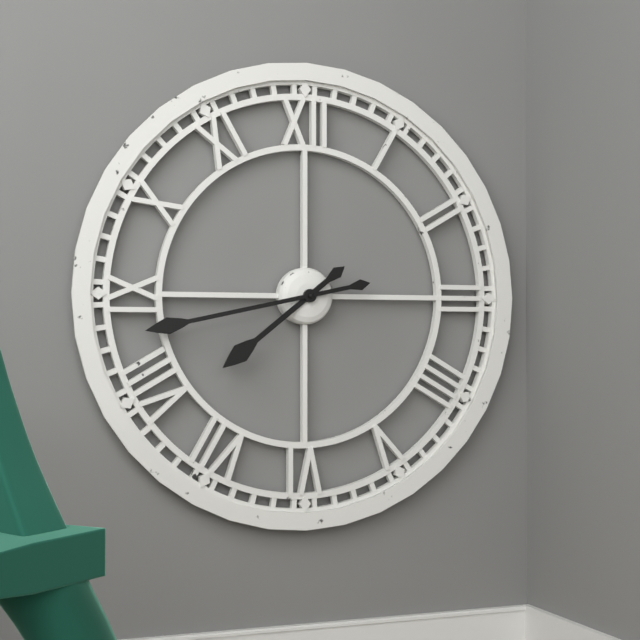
7:43
